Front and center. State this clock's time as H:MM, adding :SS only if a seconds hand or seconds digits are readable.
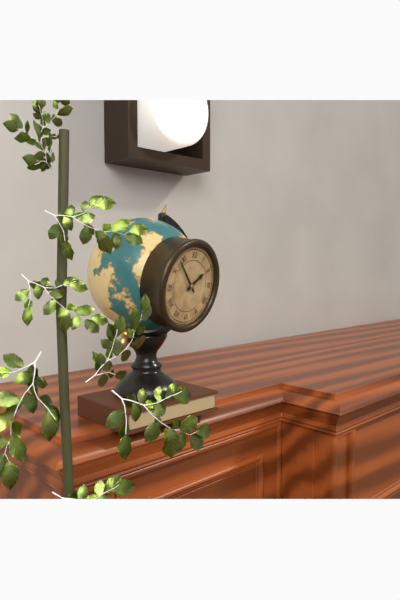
1:53
